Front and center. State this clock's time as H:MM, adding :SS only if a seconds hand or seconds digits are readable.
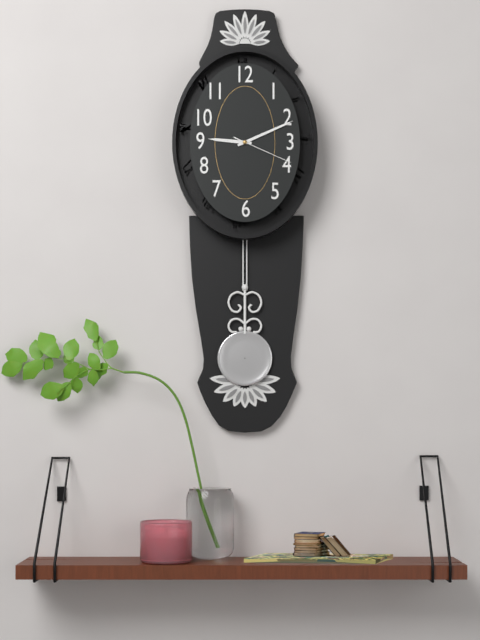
9:11:19
